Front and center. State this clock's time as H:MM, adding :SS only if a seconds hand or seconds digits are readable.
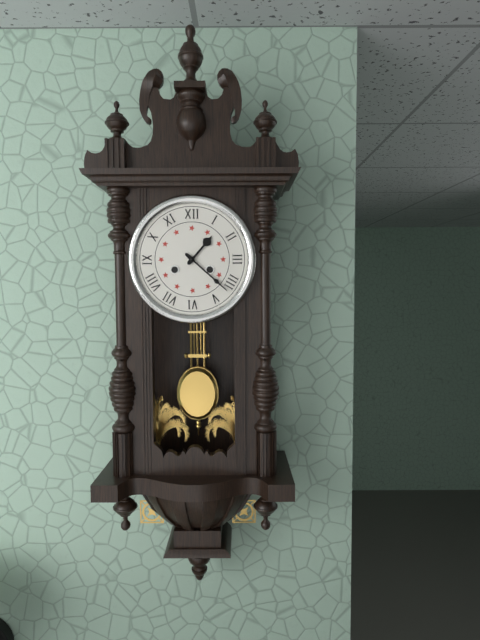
1:22
